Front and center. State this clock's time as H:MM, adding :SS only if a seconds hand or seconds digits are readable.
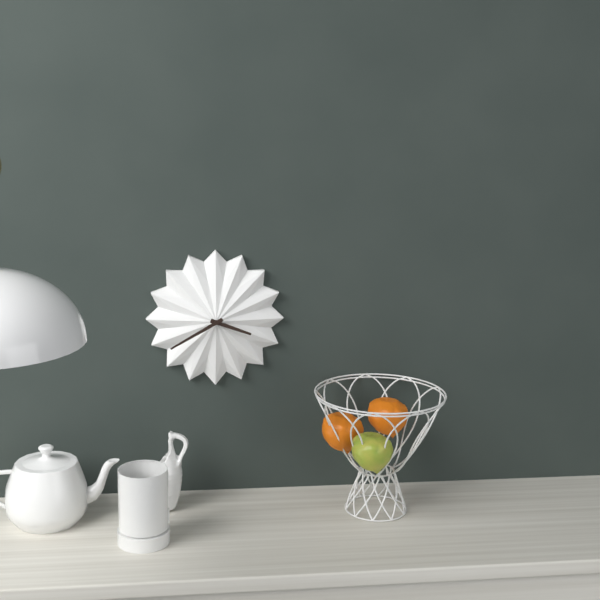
3:40
